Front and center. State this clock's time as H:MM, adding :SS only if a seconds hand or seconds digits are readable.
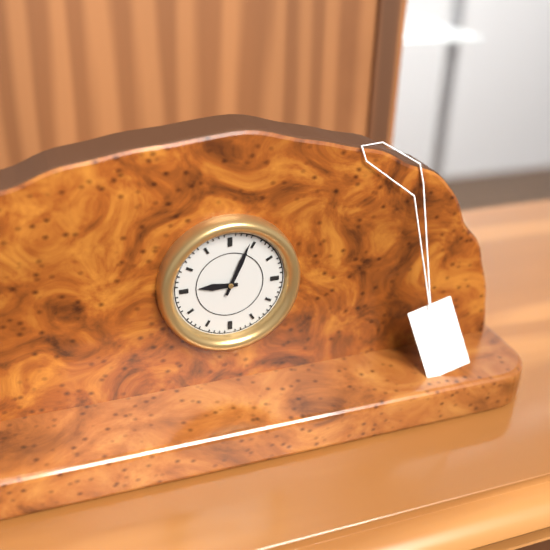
9:04
